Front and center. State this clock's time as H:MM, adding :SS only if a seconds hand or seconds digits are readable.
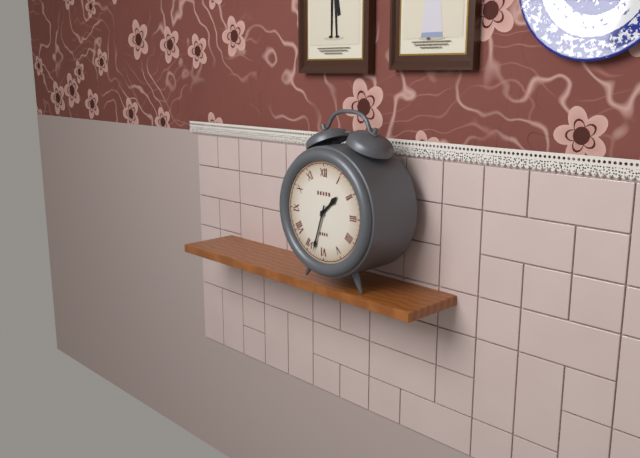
1:33
